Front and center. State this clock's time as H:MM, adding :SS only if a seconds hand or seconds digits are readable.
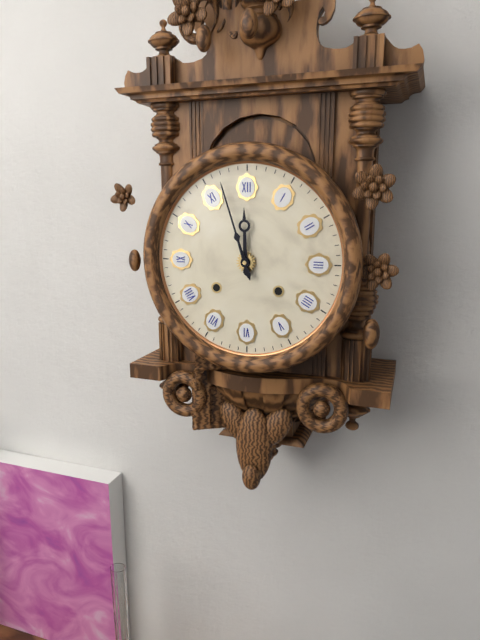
11:57
